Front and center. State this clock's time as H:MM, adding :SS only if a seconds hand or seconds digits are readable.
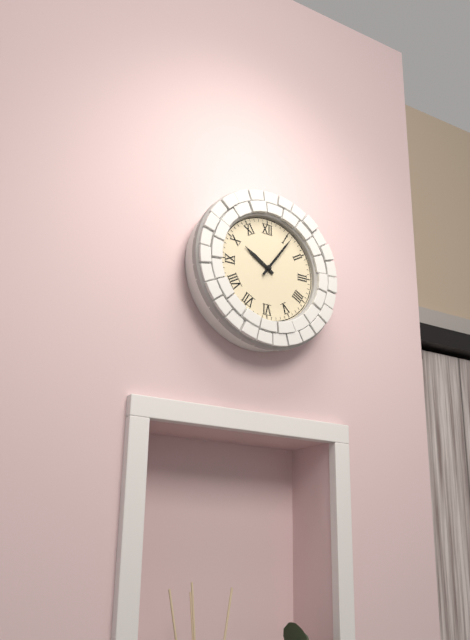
10:06
